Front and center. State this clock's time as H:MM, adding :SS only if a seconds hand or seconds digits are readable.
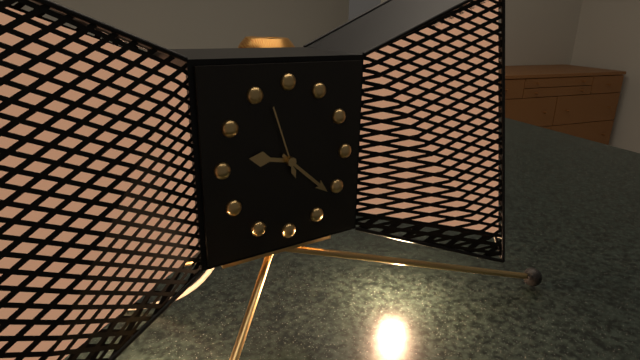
9:22:57
